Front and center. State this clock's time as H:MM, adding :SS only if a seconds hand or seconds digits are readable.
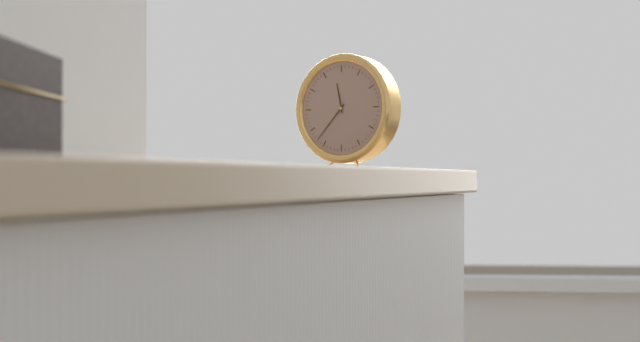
11:37
